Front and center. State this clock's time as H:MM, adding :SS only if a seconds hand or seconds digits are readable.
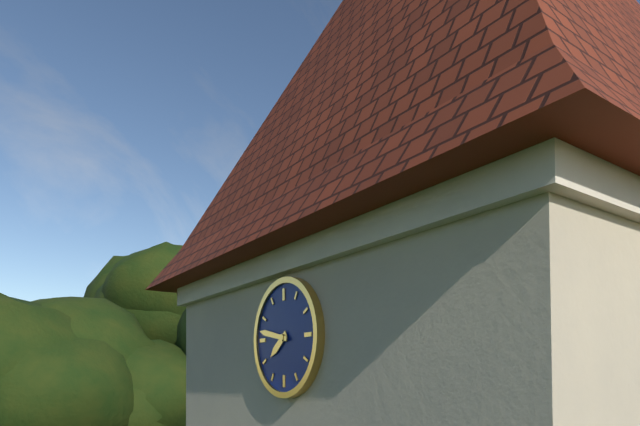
7:47
